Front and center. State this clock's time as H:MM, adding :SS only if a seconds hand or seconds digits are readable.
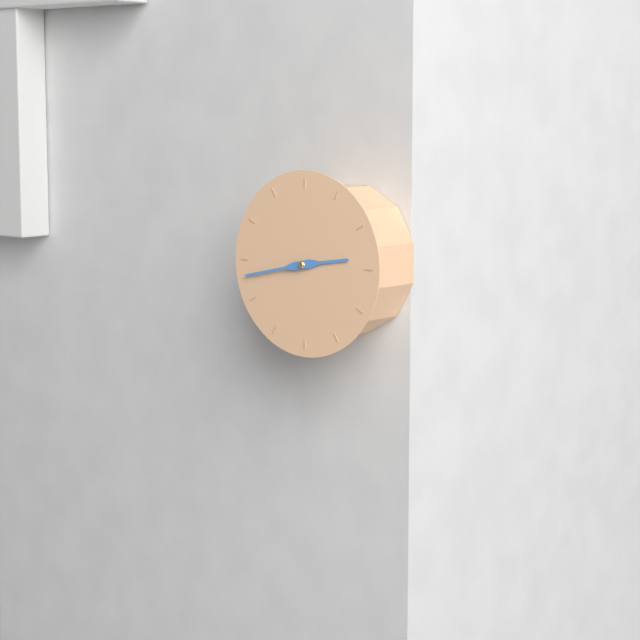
2:43
